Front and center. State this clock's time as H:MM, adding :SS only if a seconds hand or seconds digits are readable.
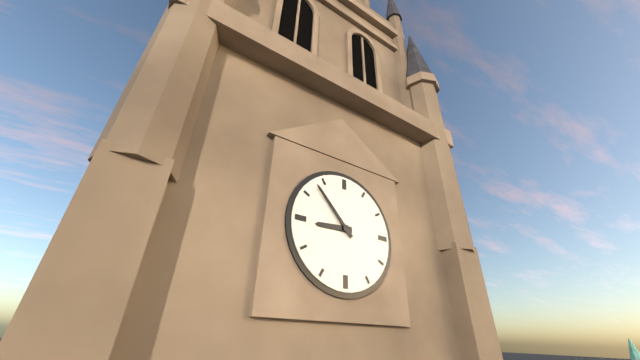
8:53
